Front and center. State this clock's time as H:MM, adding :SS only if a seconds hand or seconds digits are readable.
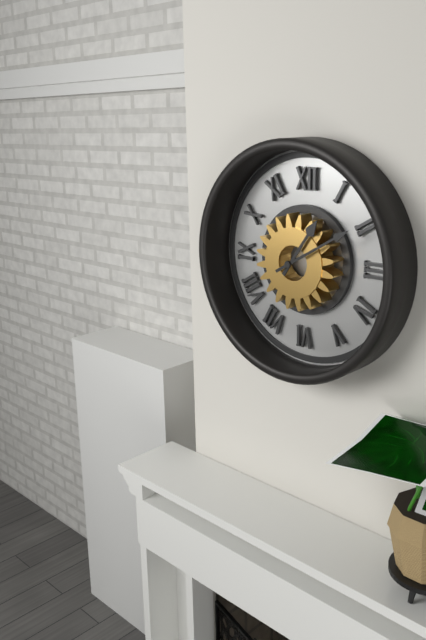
1:10
